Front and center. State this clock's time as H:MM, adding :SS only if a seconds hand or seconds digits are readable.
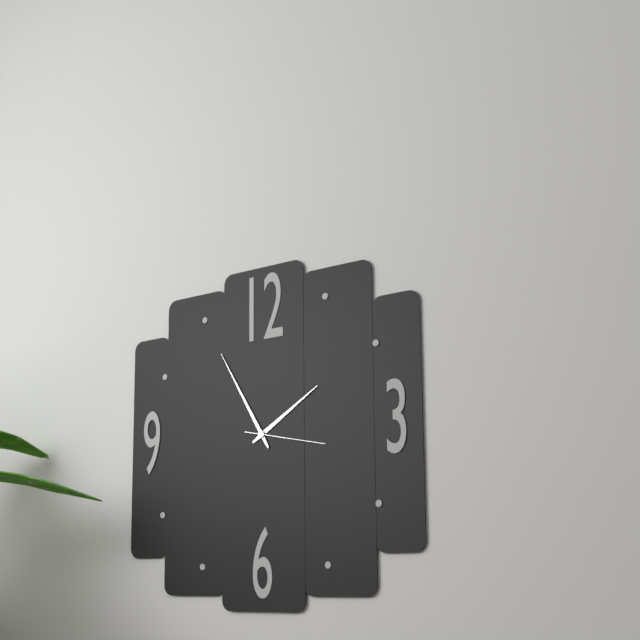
1:55:17
